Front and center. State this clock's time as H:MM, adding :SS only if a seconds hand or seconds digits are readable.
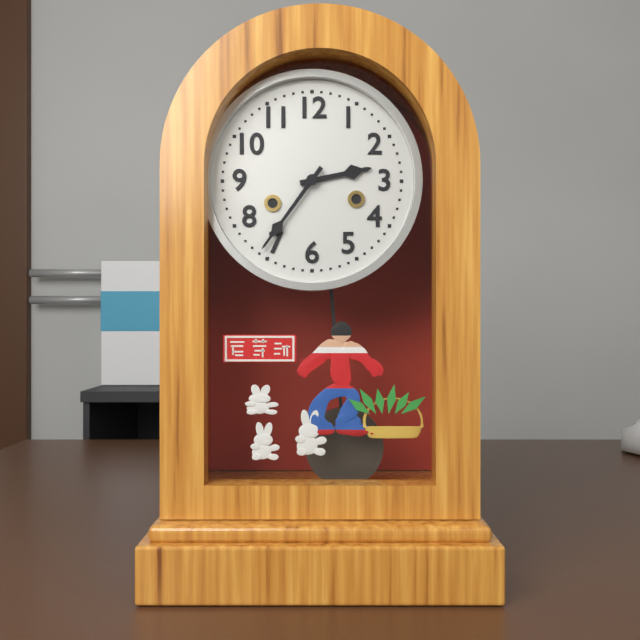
2:36
